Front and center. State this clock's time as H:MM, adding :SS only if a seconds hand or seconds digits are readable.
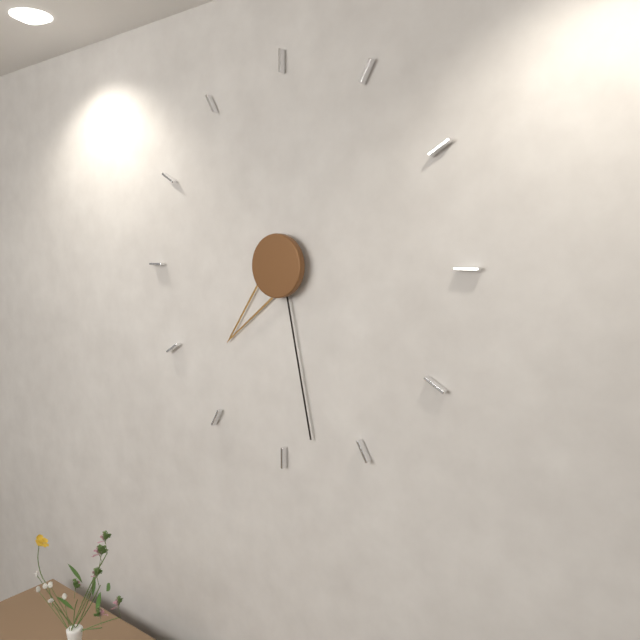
7:28
